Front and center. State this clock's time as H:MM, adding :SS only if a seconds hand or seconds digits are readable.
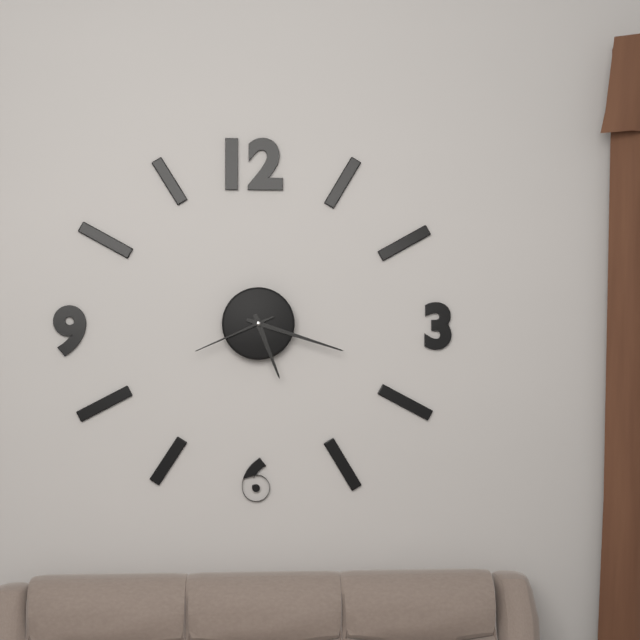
5:18:41
